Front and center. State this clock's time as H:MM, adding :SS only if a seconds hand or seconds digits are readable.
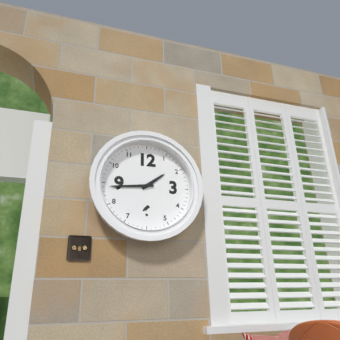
1:44
